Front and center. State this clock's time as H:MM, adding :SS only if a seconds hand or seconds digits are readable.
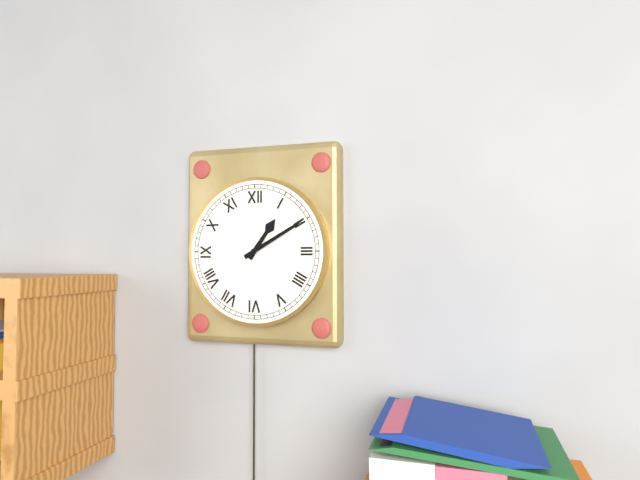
1:10
